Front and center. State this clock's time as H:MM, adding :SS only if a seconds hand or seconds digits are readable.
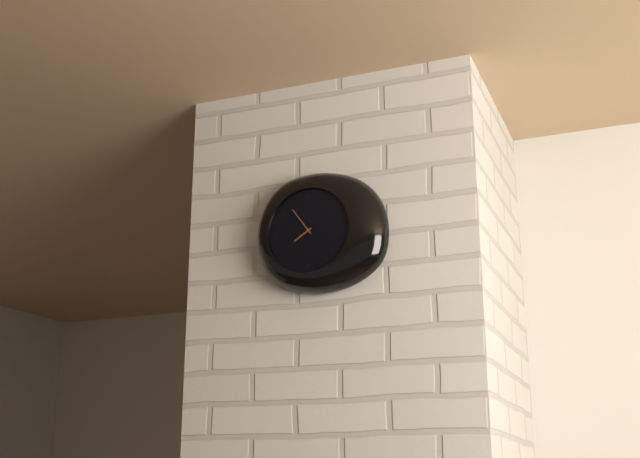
7:54
